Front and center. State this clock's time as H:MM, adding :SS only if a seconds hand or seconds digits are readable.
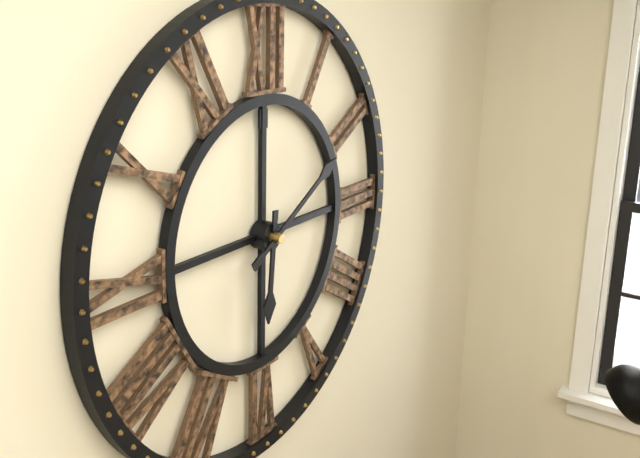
6:10
